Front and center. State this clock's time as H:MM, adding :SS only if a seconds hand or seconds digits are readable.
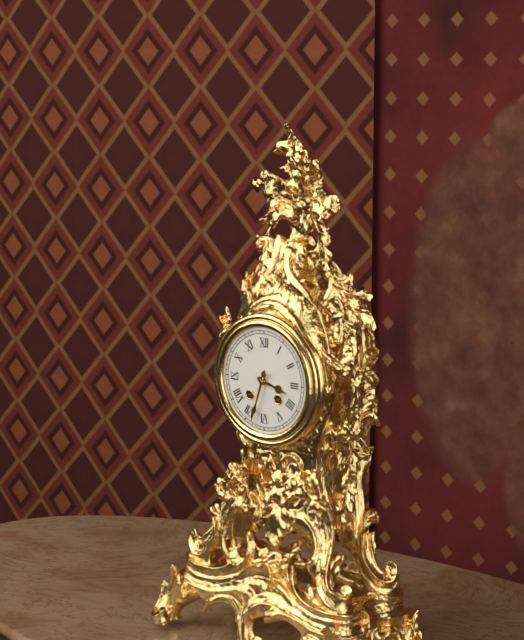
3:33
